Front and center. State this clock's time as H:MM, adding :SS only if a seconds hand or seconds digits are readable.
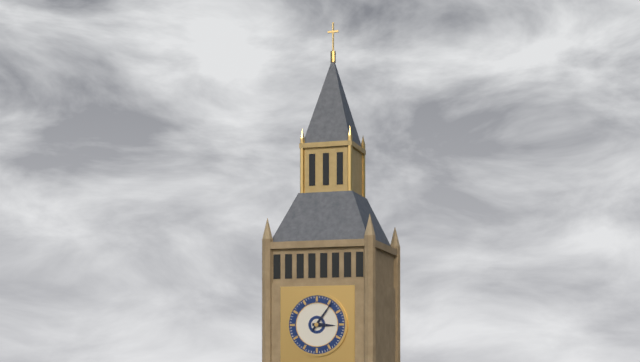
3:06
